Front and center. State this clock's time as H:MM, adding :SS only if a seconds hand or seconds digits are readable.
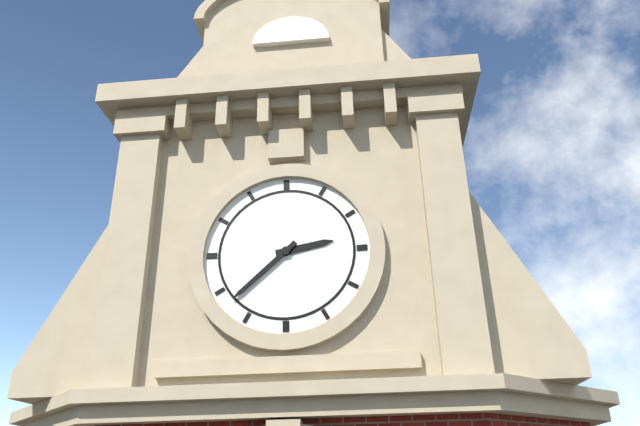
2:38
